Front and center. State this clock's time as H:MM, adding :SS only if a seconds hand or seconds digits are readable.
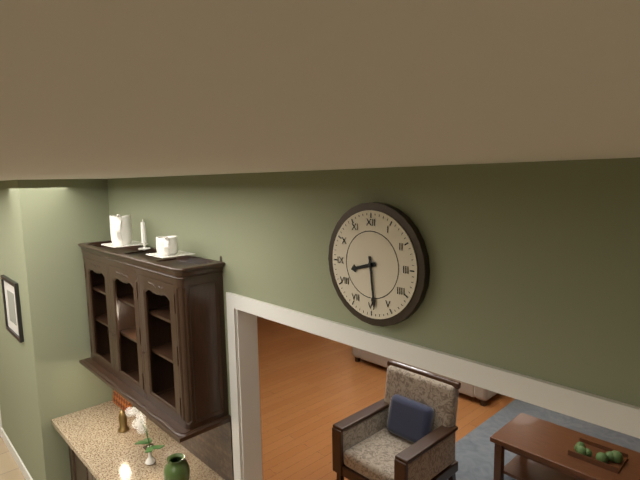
8:29
